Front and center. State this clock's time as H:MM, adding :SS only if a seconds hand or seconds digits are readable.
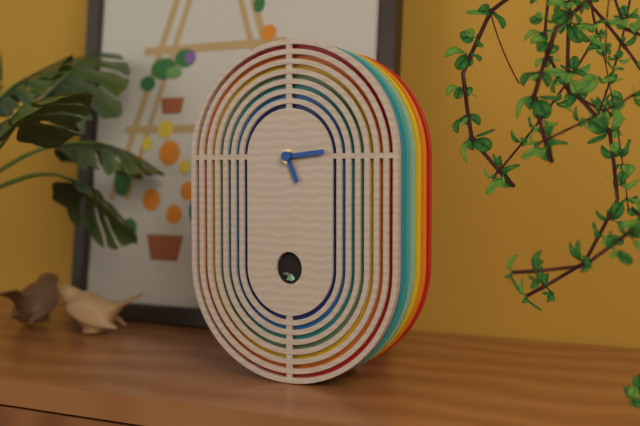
5:14
